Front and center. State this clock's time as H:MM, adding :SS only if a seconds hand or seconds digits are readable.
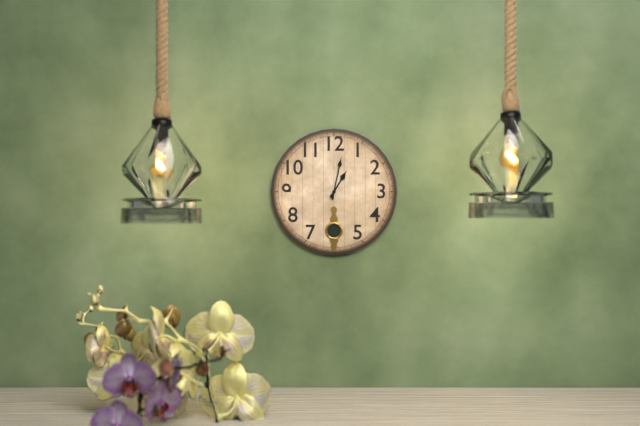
1:02
